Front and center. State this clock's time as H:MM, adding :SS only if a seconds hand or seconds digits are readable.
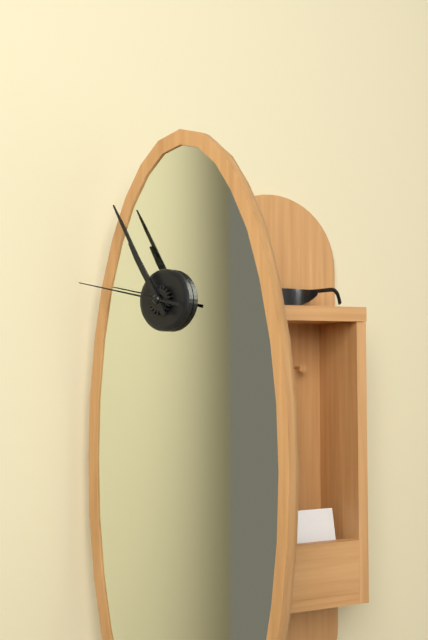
10:55:47
